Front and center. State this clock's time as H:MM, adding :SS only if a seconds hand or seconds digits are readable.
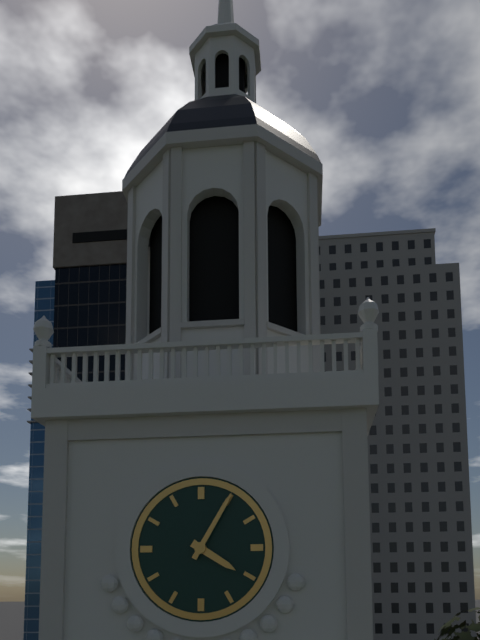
4:05
